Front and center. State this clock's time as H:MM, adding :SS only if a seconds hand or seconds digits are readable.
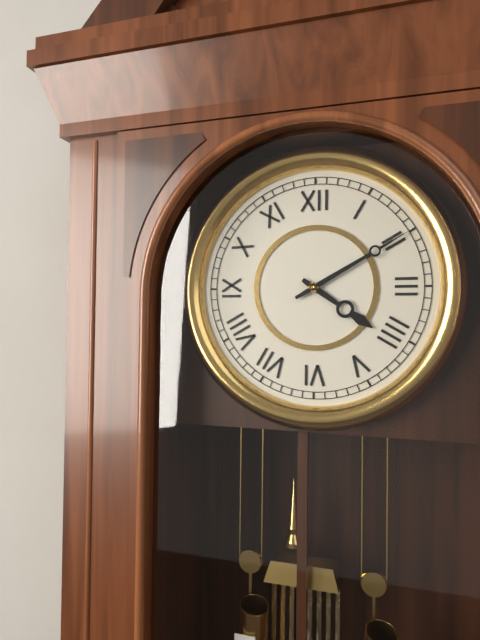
4:10
